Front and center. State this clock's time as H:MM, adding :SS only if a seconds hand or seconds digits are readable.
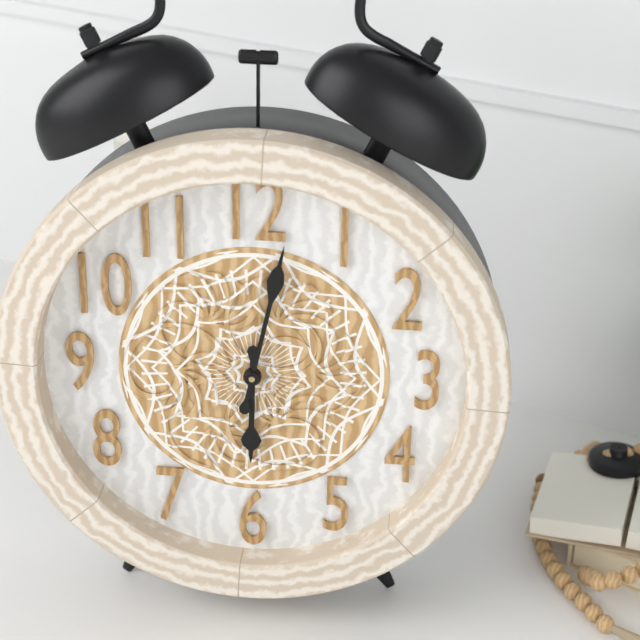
6:02
